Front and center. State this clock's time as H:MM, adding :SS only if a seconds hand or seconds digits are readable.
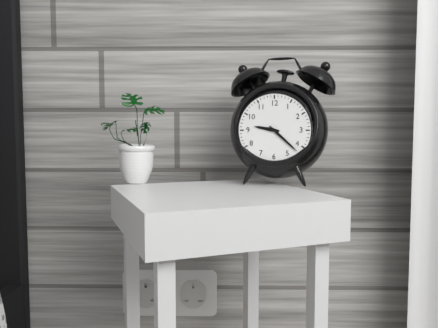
9:22
